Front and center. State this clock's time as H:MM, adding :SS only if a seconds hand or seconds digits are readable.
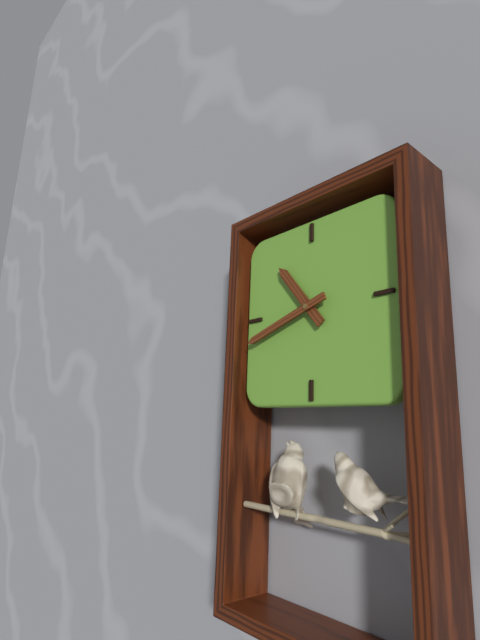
10:42
